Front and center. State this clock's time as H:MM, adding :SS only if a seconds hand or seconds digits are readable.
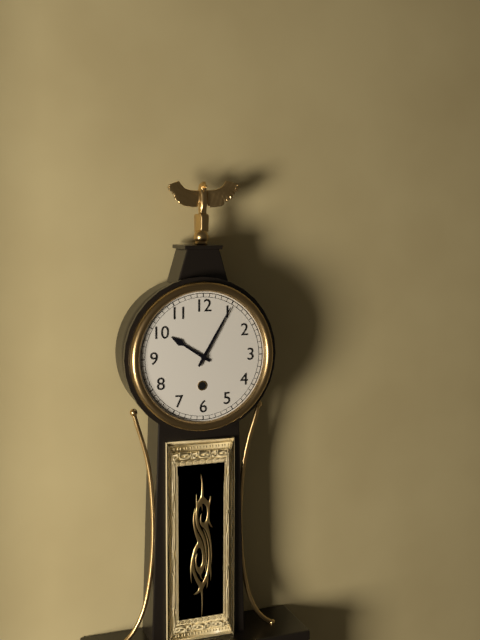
10:05
